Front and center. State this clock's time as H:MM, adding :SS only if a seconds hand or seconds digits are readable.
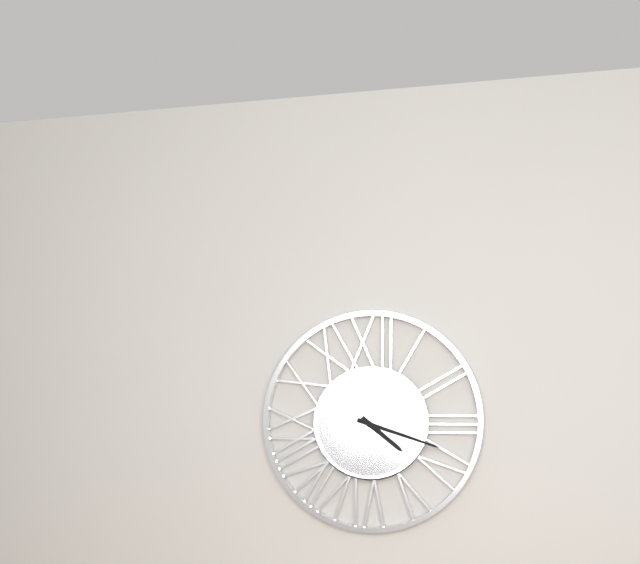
4:18
